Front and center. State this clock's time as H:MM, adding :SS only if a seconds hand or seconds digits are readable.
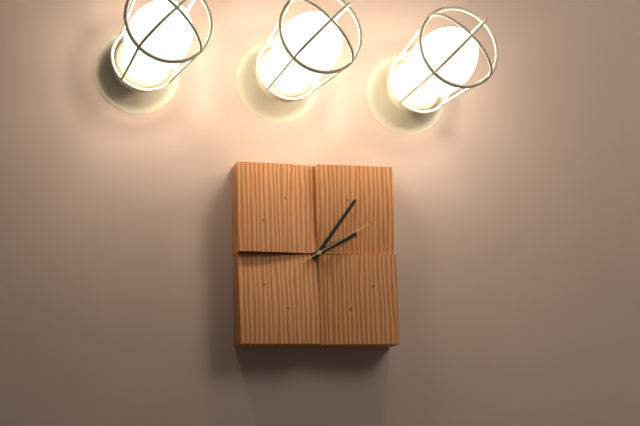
2:06:10
